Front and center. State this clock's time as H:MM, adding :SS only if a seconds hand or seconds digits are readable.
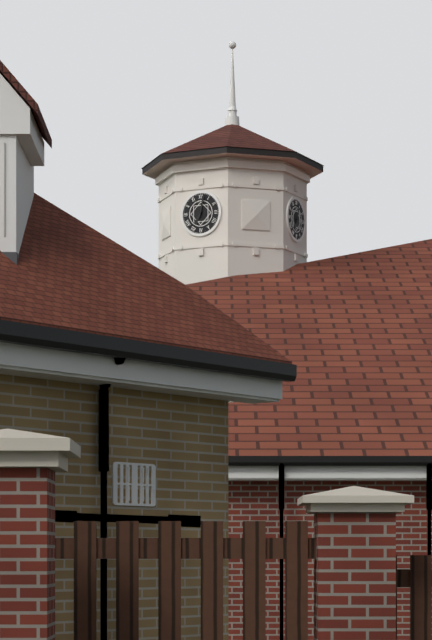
7:02
